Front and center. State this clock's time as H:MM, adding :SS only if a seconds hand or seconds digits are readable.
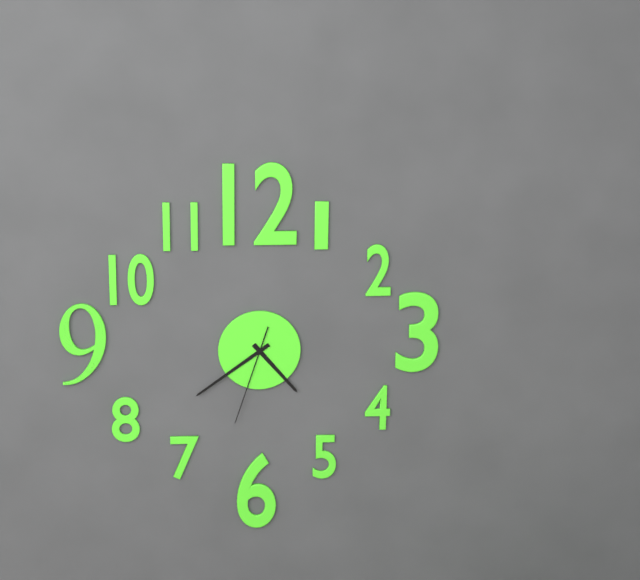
4:39:33
